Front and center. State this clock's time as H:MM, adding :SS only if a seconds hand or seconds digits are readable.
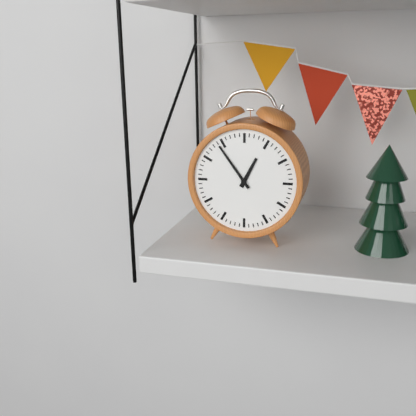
12:54
